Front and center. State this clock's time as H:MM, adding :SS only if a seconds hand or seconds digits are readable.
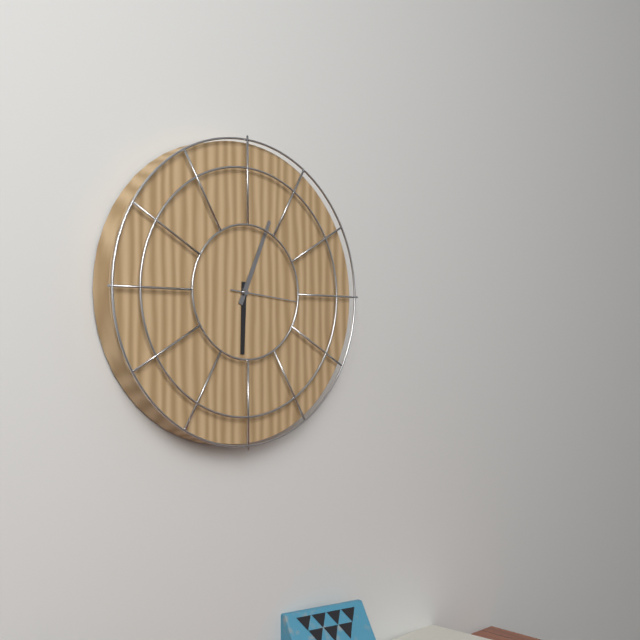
6:04:16
